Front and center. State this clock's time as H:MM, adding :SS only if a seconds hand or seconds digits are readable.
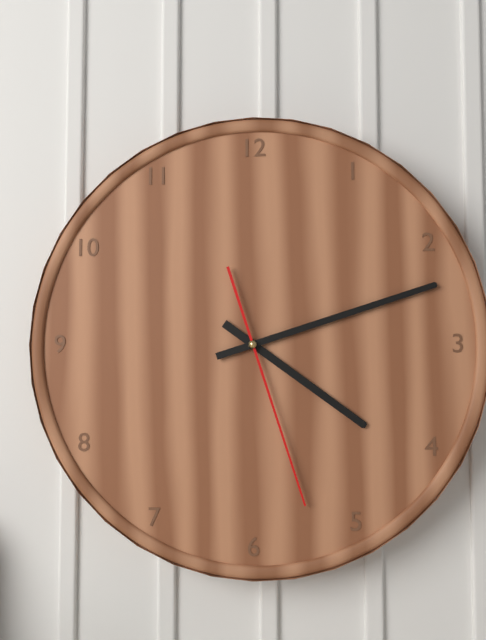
4:12:27
